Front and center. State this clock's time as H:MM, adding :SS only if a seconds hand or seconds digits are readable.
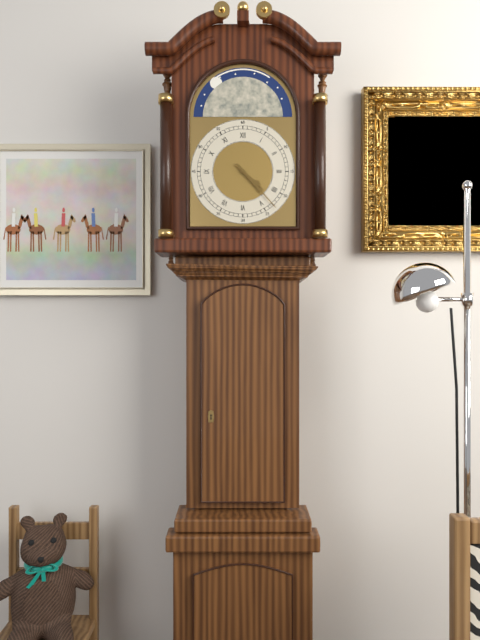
4:23
